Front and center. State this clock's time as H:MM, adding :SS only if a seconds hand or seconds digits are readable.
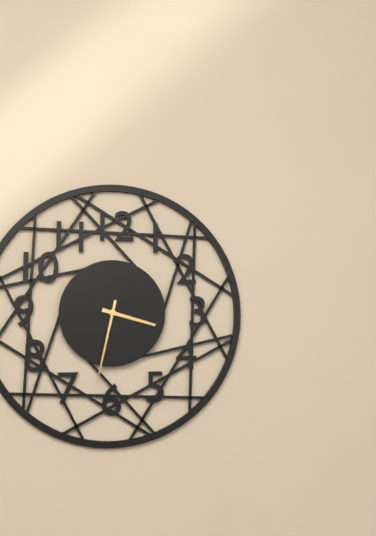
3:32
